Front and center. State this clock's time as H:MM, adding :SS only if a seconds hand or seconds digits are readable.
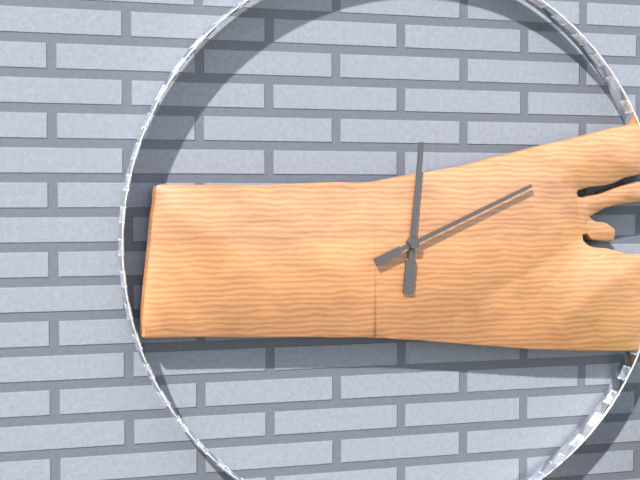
12:11
